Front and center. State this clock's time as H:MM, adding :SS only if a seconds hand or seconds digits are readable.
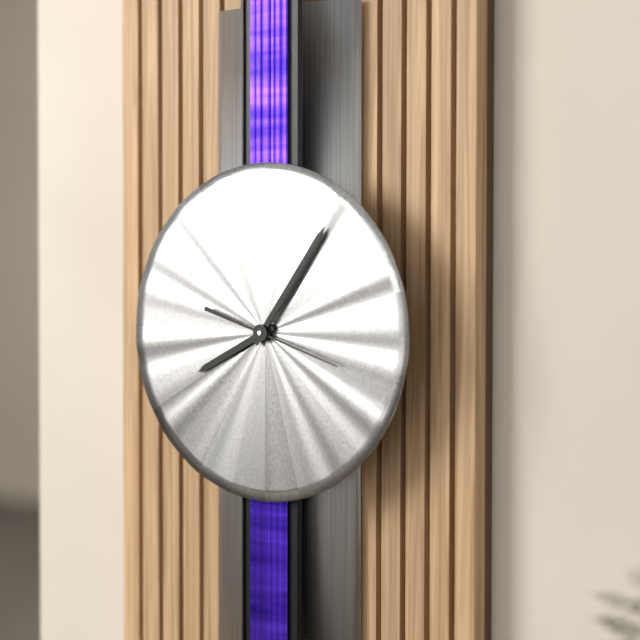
8:06:18
